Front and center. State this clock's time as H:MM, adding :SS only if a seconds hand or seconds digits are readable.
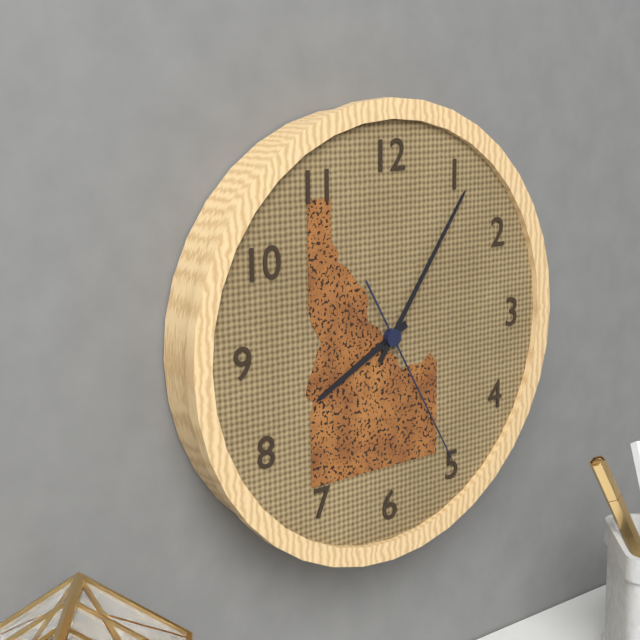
8:06:25
